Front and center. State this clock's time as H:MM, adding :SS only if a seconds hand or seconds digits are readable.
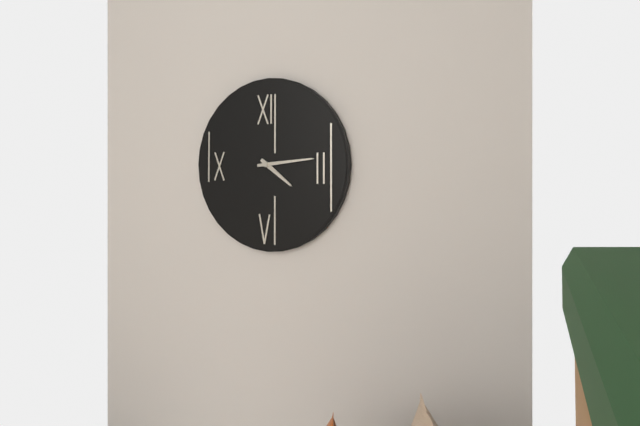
4:14
